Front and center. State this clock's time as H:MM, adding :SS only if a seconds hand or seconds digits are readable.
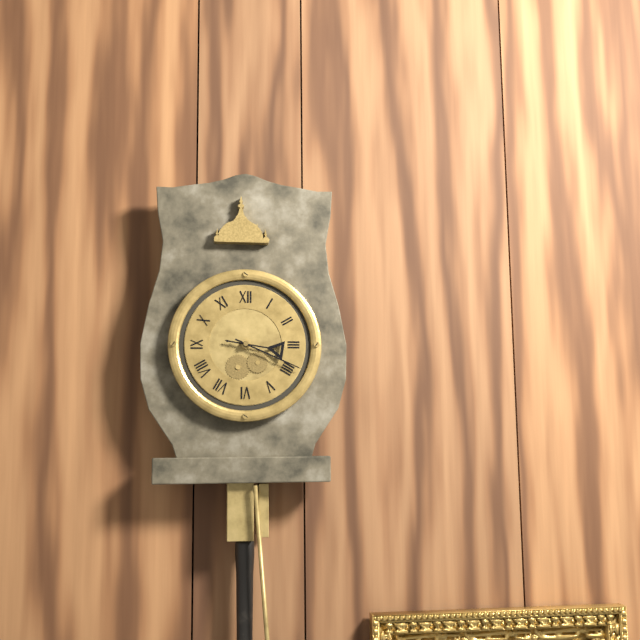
3:19
